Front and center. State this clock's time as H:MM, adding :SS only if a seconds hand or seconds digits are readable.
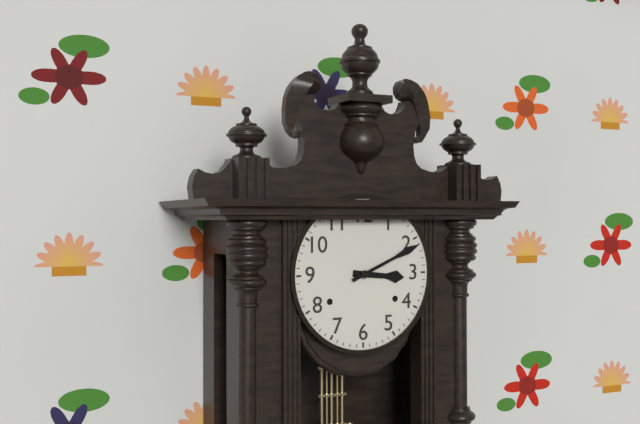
3:11
